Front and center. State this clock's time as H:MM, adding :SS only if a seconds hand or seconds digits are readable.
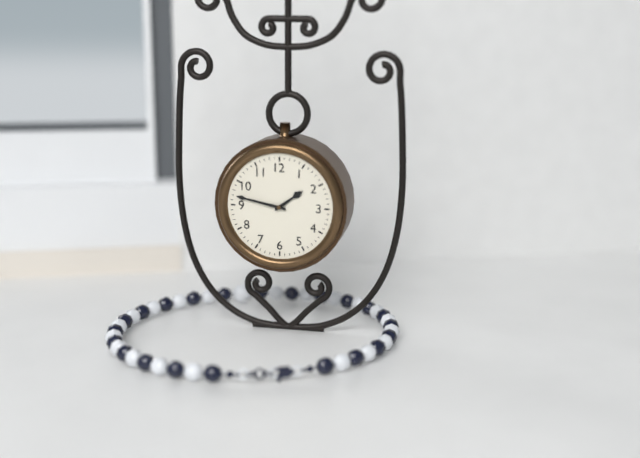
1:47
